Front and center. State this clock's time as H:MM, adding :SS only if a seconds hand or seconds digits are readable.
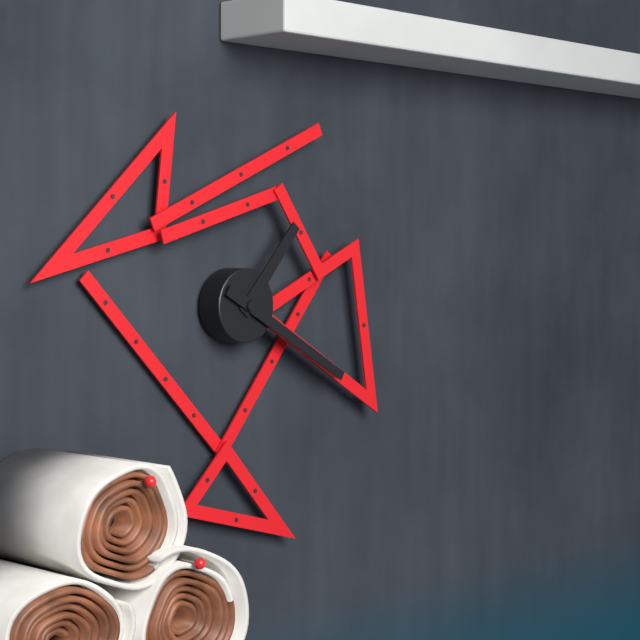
1:20
